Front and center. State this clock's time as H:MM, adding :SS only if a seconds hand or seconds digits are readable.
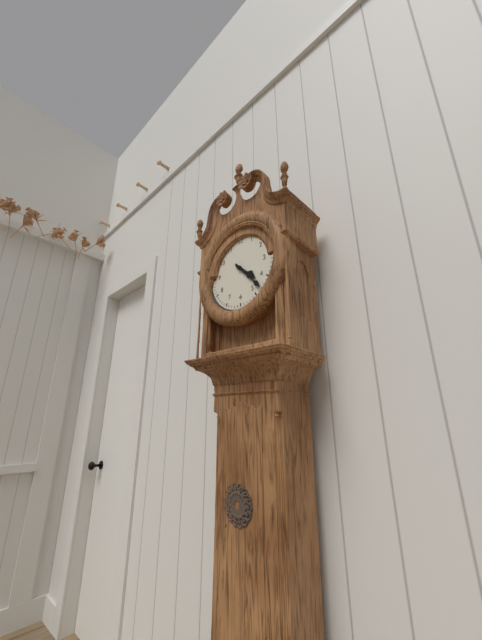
4:23
